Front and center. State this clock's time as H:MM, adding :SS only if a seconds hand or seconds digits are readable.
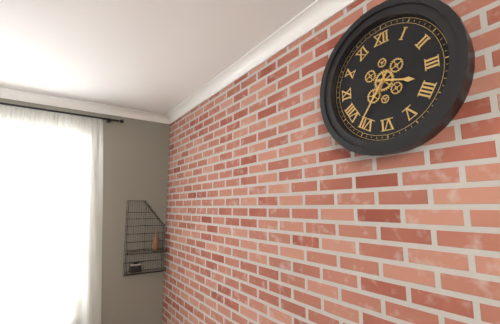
3:36
